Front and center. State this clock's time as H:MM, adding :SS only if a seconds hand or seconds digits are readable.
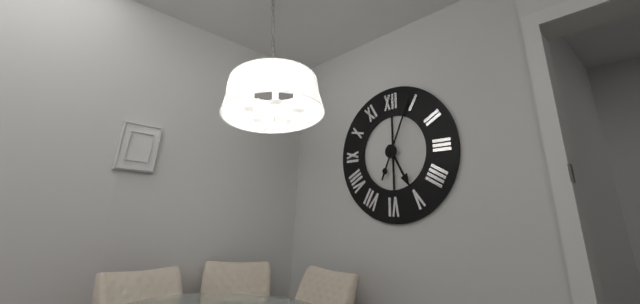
5:04
